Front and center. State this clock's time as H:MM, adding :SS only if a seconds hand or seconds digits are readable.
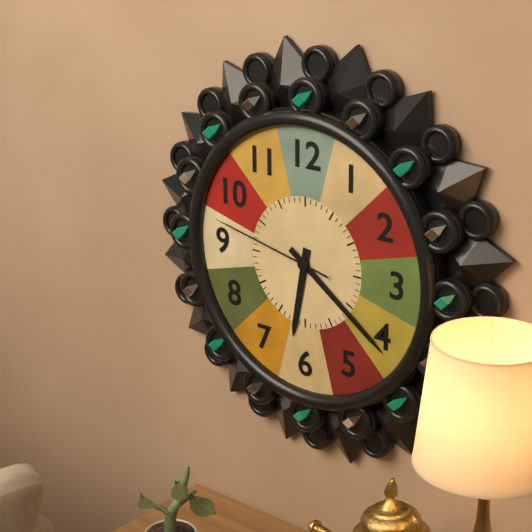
6:21:47
